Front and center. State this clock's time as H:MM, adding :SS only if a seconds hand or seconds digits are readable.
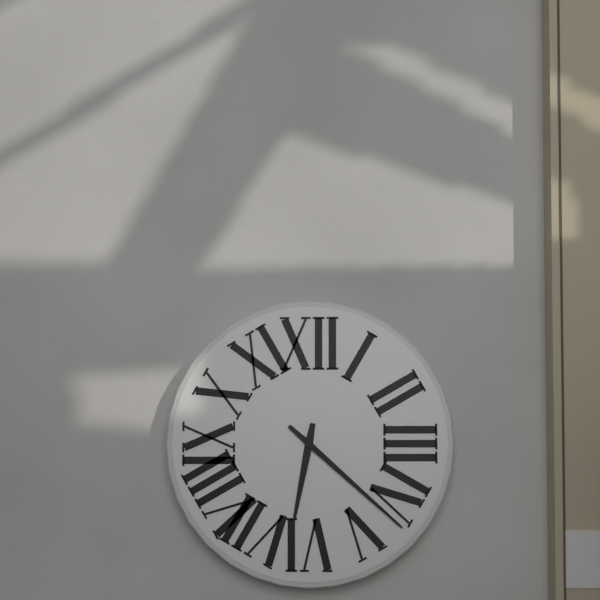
6:22
